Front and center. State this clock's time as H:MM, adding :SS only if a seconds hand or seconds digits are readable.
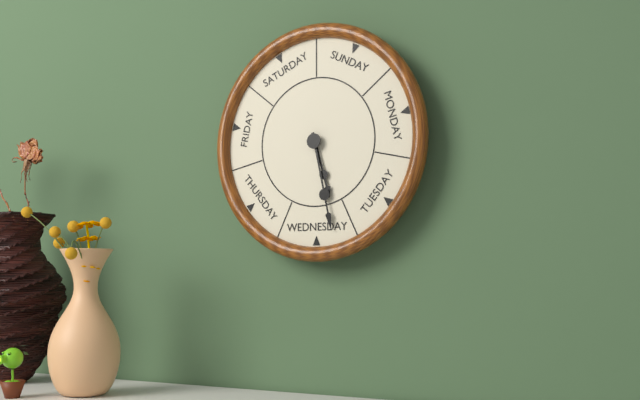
5:28
